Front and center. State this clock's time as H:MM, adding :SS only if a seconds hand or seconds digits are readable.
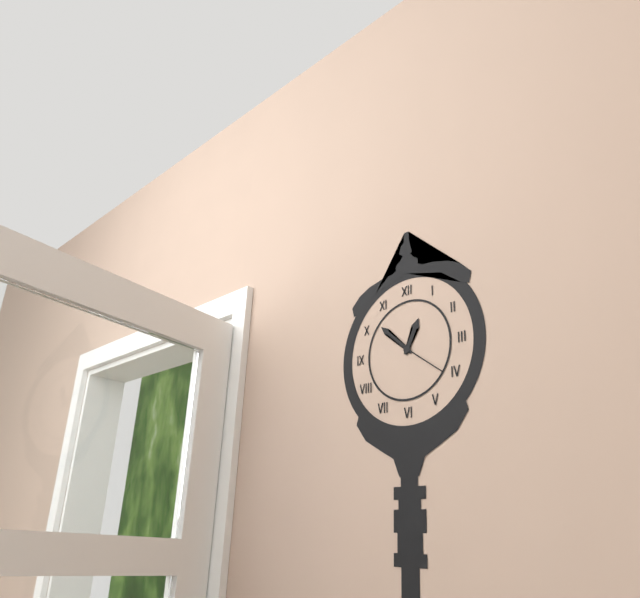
12:52:21
